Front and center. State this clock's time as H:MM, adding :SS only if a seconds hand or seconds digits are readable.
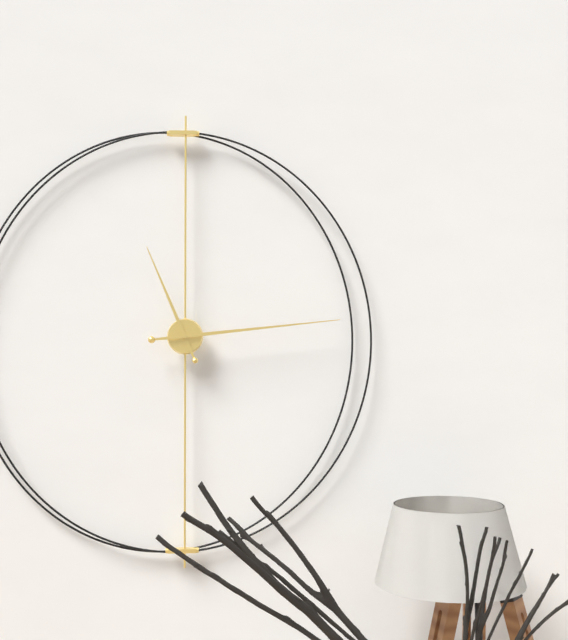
11:14
